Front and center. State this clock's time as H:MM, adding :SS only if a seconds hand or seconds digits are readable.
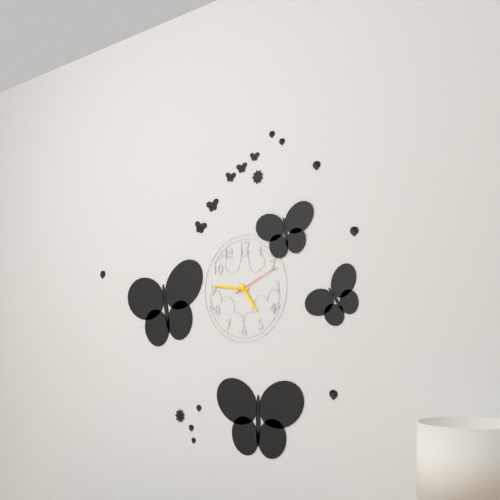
4:46
